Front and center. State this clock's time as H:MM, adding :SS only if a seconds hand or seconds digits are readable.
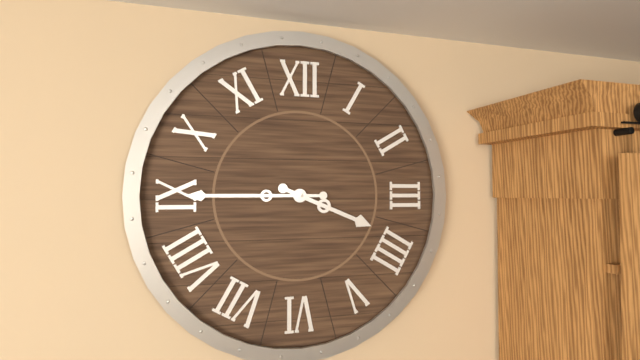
3:45
